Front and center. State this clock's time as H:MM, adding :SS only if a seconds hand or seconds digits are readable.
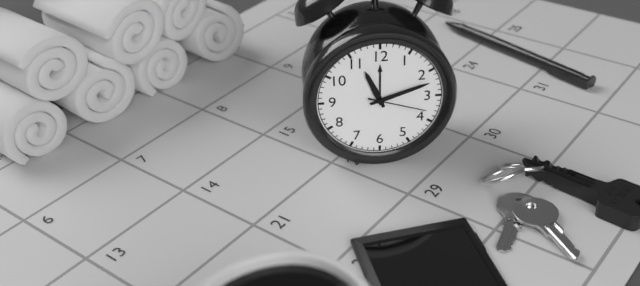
11:12:18
